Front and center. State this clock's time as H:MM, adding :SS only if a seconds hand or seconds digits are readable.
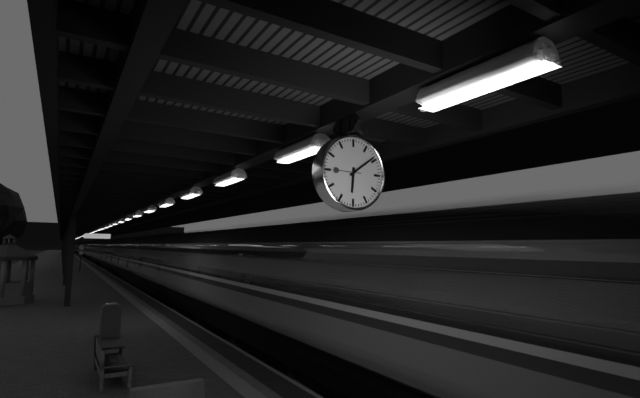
6:09
